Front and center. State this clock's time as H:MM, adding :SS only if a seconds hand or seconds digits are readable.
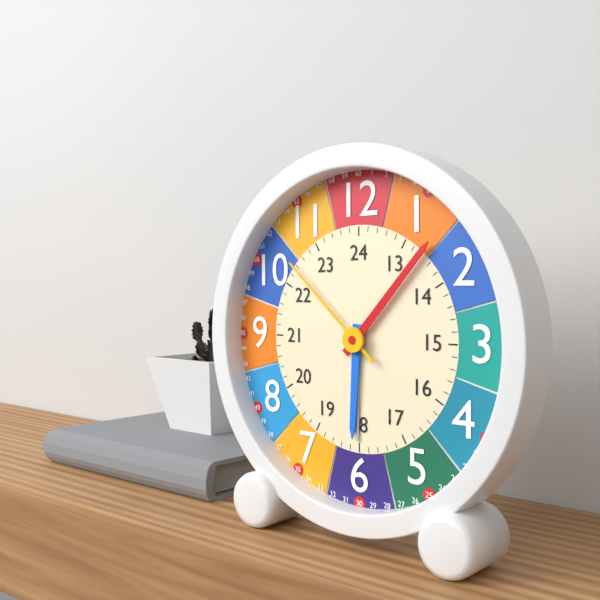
6:07:52
